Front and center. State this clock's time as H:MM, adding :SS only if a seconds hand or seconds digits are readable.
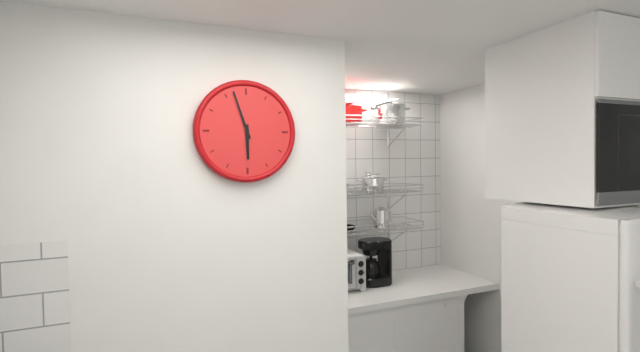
5:57
